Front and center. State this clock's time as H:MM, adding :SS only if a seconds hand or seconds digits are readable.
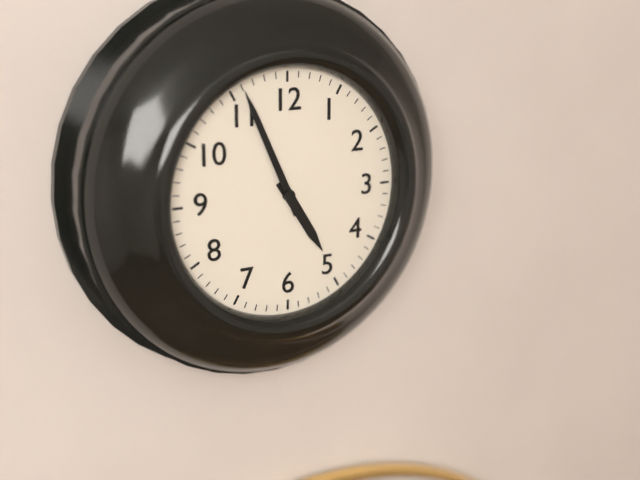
4:56
